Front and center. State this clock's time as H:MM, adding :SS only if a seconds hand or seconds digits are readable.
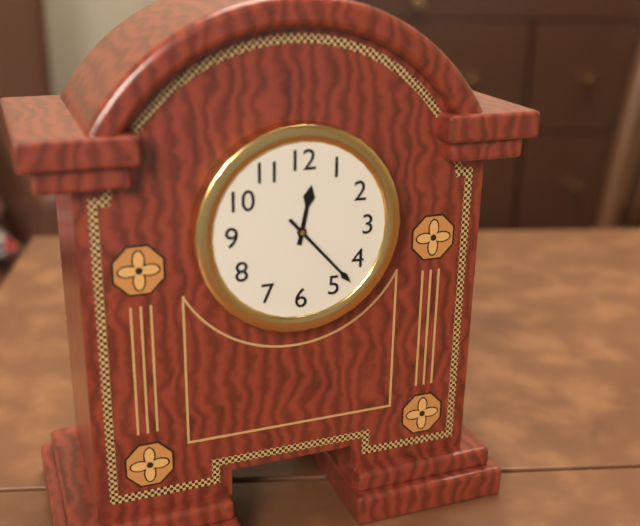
12:23
